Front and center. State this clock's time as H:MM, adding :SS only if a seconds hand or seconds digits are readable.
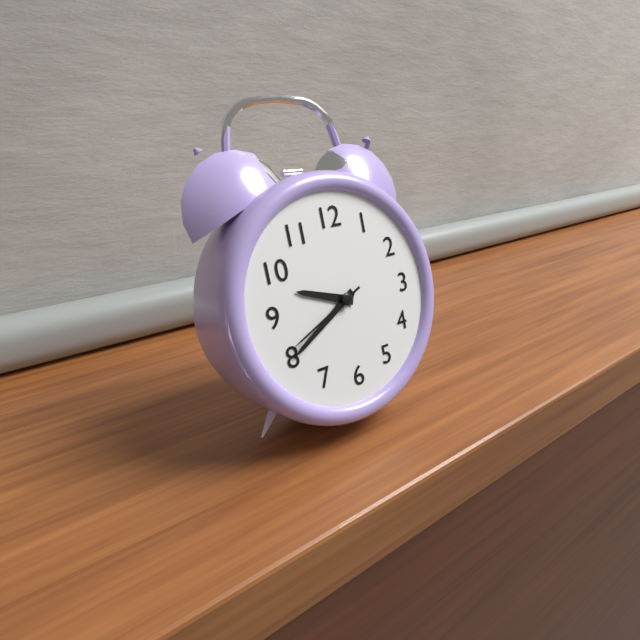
9:40:41
